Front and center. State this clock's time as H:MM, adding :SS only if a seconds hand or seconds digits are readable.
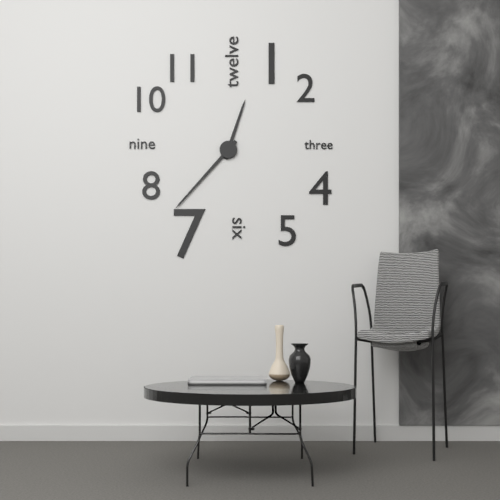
12:37
